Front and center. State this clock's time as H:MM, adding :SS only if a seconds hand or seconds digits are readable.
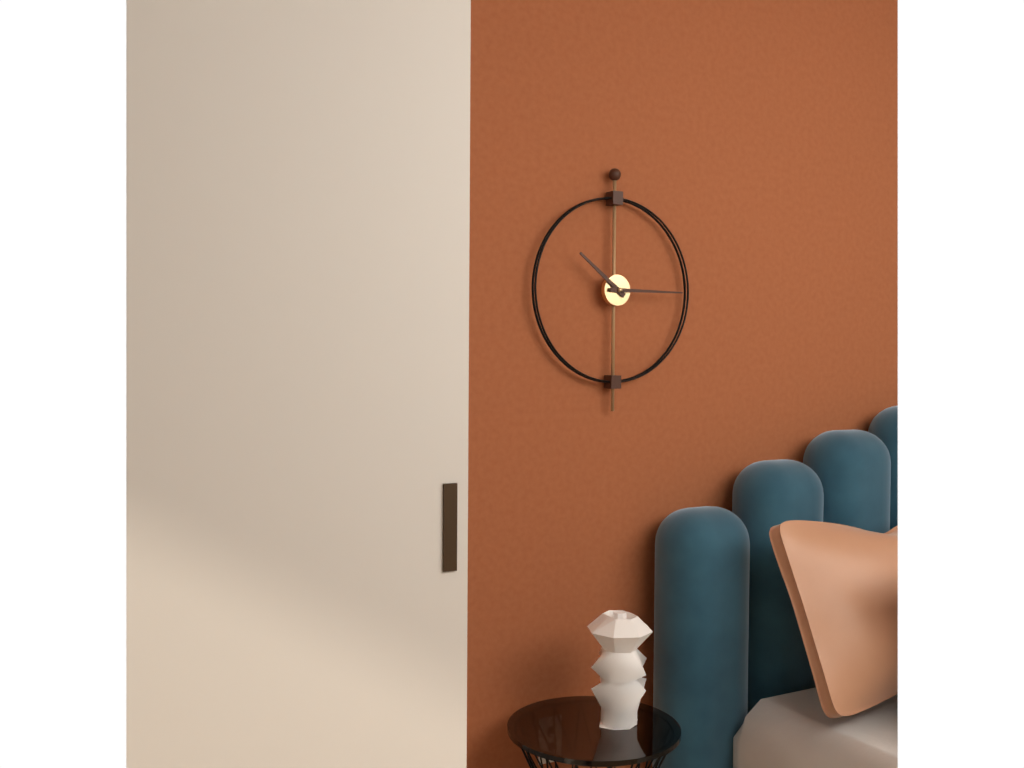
10:15
